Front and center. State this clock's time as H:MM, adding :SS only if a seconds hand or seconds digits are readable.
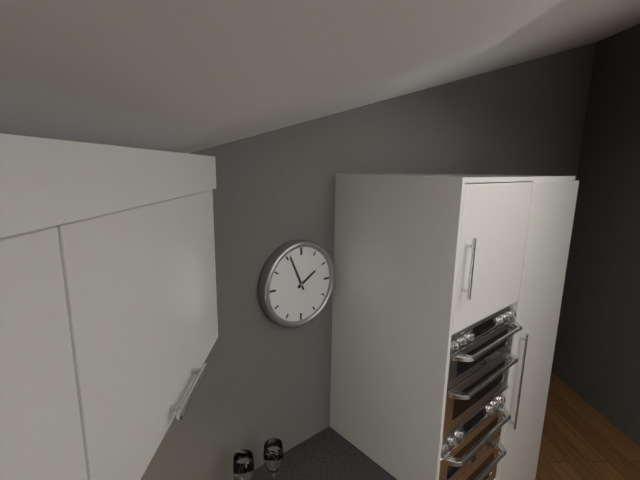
1:56
